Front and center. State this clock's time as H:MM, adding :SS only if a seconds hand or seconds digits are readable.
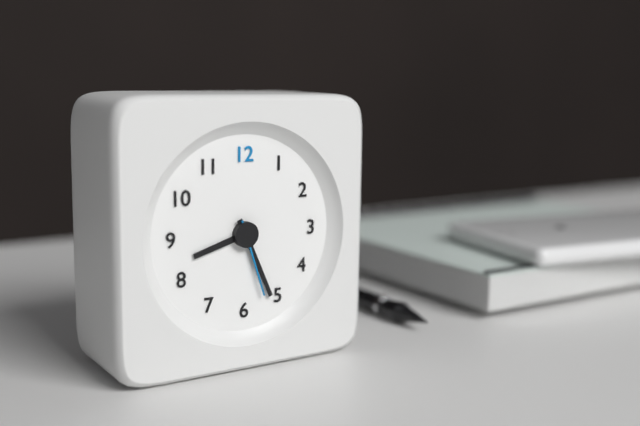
8:26:27
